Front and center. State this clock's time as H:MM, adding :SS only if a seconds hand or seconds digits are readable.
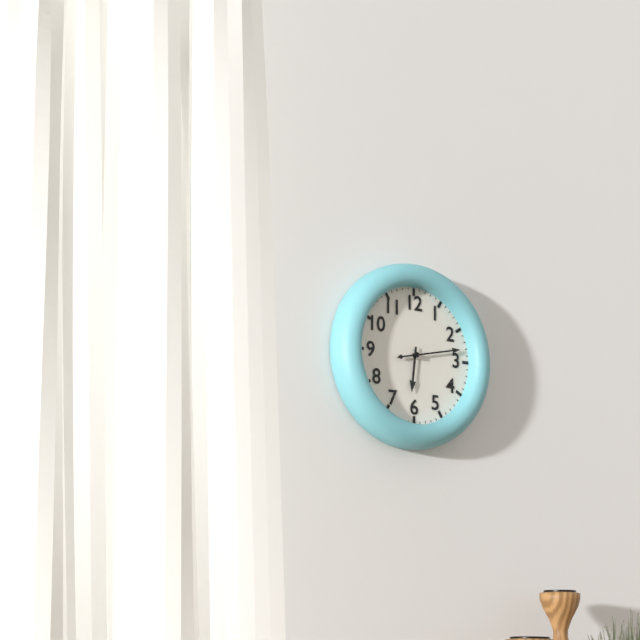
6:13
